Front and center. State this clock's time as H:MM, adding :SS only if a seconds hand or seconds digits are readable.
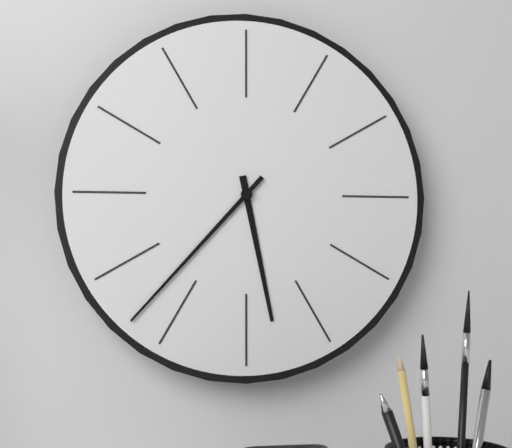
5:37
